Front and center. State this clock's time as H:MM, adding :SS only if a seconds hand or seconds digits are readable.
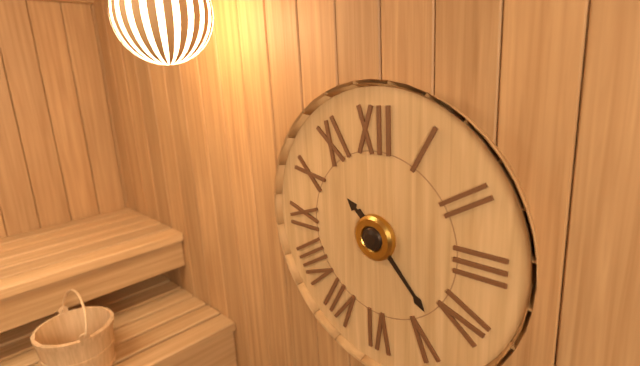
10:23
